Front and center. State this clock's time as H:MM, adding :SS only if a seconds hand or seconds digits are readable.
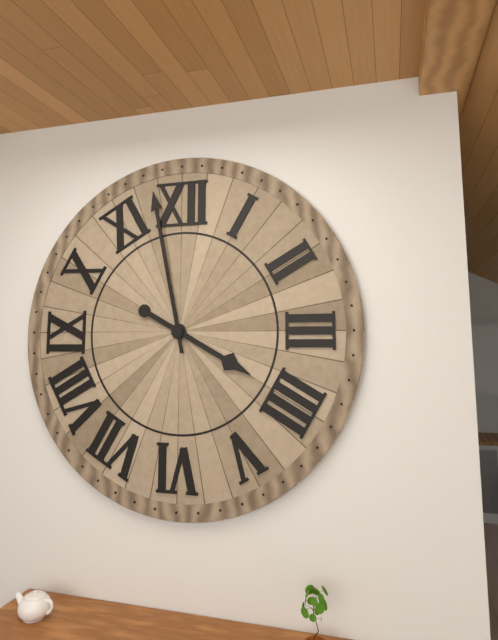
3:58
